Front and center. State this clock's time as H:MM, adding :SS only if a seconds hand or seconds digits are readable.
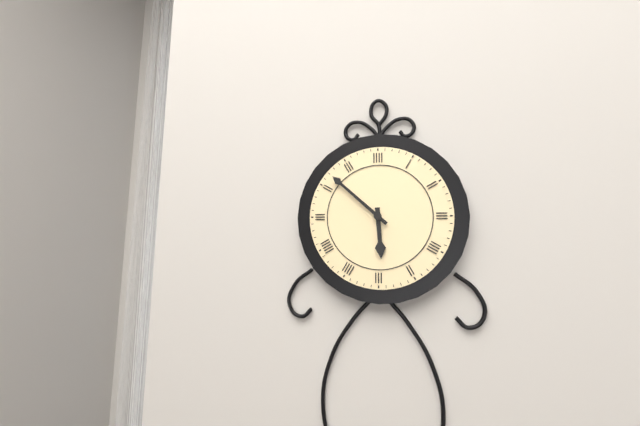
5:52
